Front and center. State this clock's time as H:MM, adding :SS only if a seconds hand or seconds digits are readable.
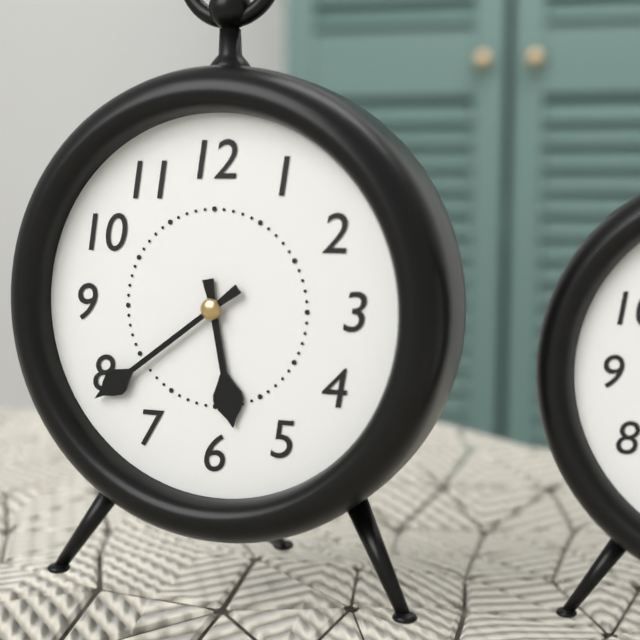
5:39
